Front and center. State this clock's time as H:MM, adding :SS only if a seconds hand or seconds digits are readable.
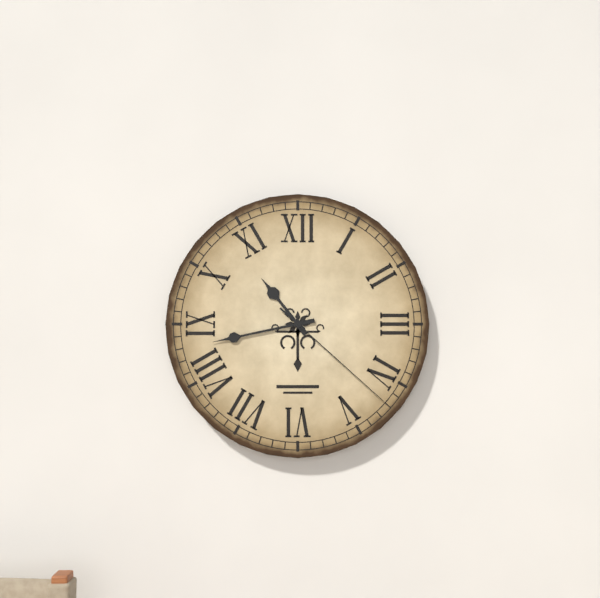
10:43:22
